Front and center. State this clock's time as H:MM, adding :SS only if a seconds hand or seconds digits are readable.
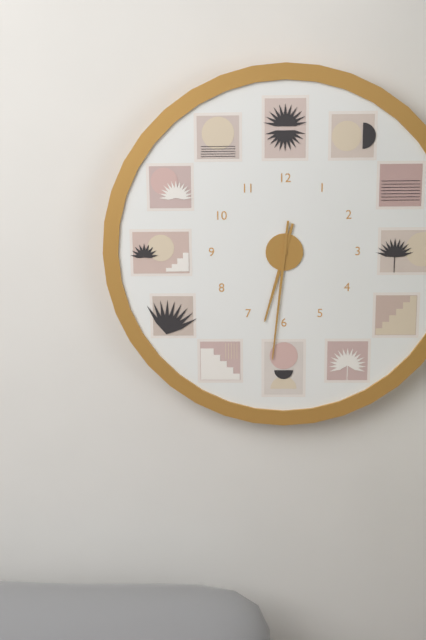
6:31
